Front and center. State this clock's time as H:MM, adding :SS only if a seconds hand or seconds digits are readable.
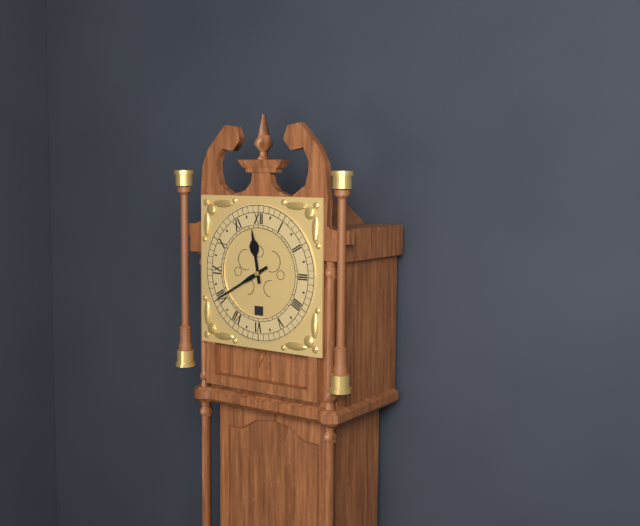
11:40
